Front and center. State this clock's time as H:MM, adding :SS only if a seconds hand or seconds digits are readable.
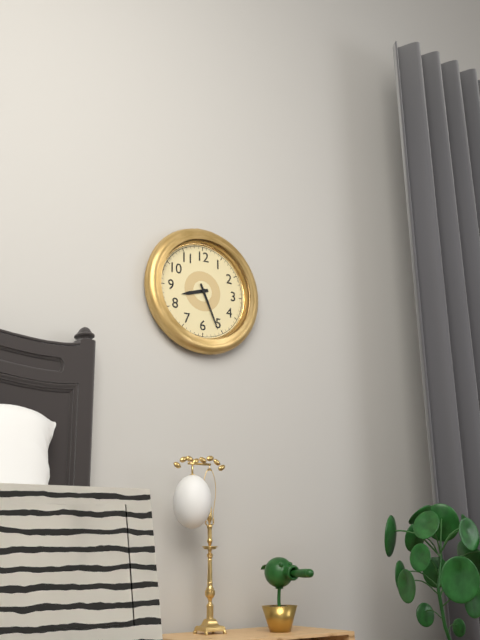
8:26
